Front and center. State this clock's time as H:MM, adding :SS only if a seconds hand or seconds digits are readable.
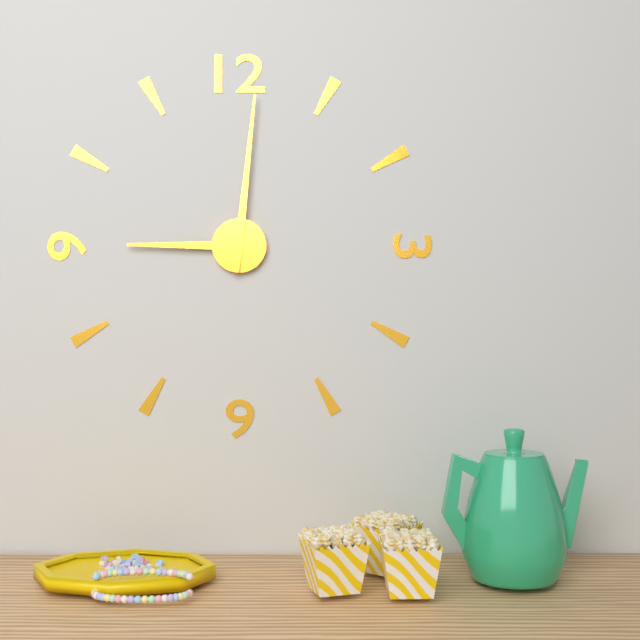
9:01
